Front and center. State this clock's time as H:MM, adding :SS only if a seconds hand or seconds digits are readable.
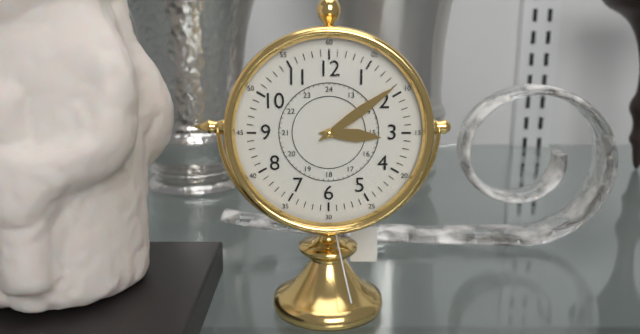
3:09
